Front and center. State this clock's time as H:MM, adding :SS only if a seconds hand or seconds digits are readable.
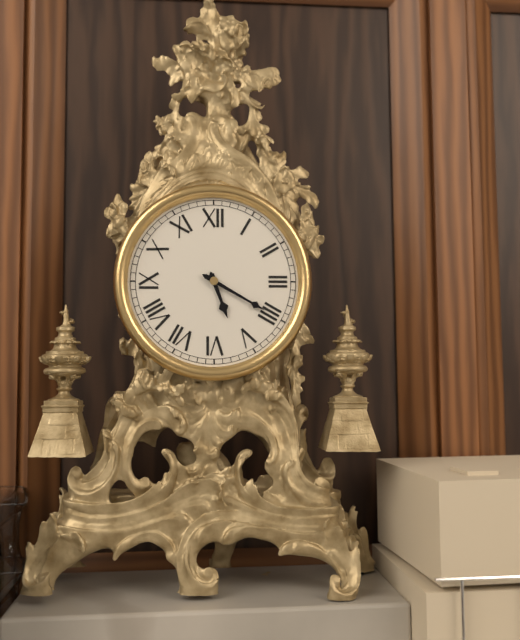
5:20
